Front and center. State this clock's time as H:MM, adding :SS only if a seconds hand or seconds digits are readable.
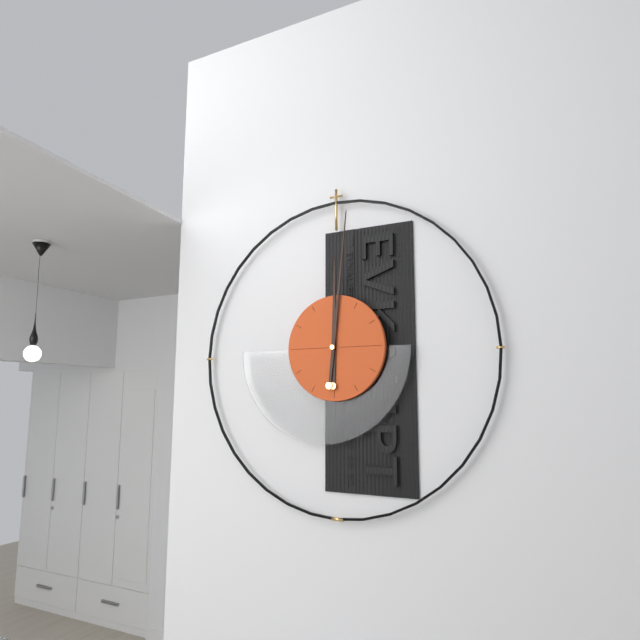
12:01
